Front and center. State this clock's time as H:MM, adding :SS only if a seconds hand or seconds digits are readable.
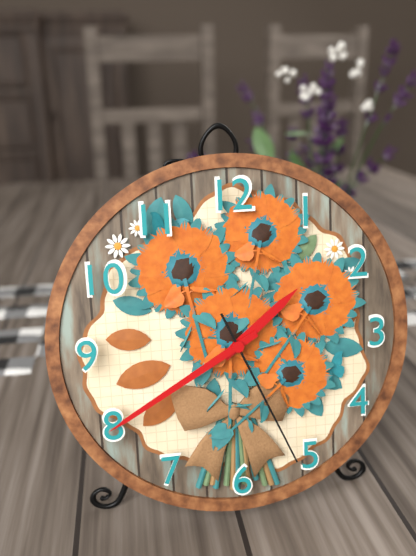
1:40:26
